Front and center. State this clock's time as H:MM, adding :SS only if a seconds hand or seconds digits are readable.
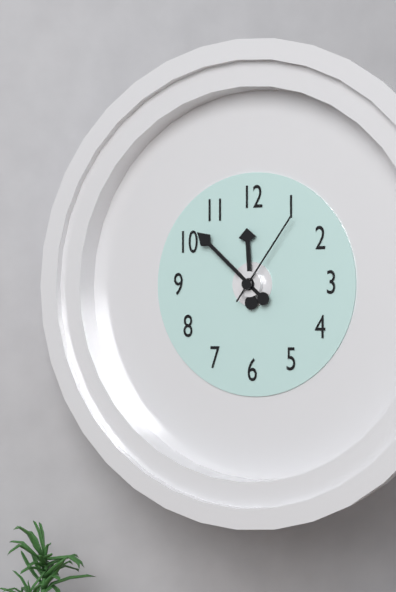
11:52:06
